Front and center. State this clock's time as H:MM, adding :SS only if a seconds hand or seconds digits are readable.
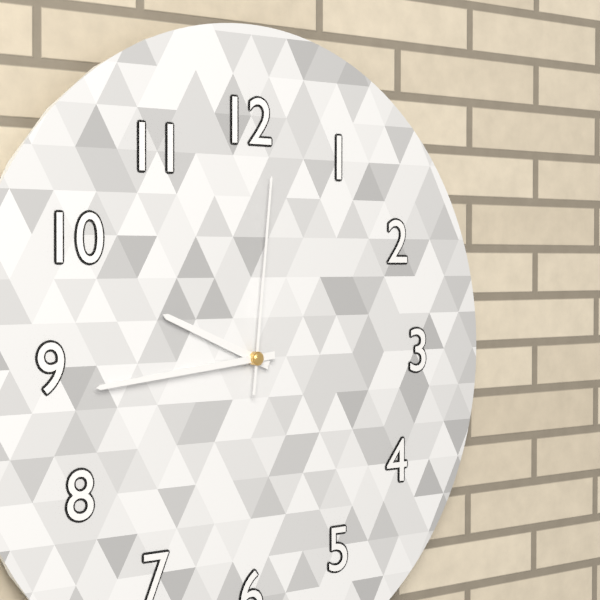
9:44:01
